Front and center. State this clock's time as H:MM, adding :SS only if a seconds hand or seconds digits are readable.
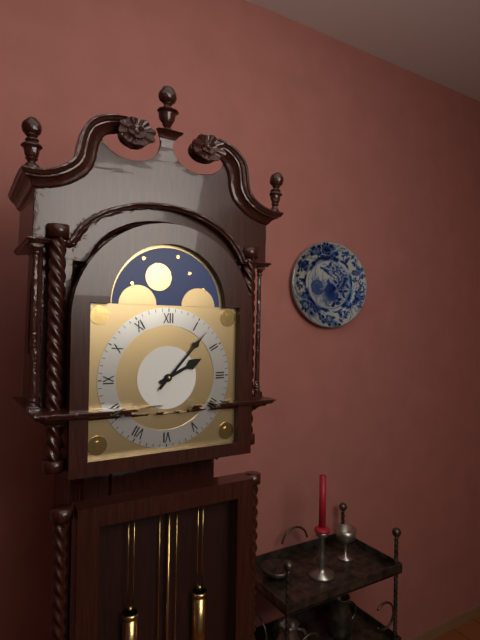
2:07
